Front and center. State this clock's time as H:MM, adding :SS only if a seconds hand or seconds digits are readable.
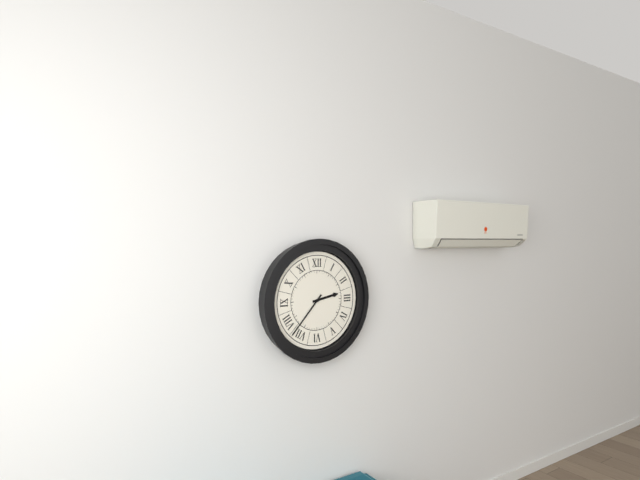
2:37
